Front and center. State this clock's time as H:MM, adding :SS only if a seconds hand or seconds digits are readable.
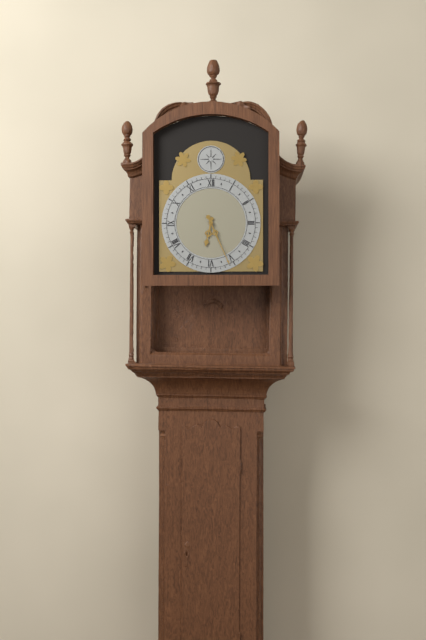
6:26
